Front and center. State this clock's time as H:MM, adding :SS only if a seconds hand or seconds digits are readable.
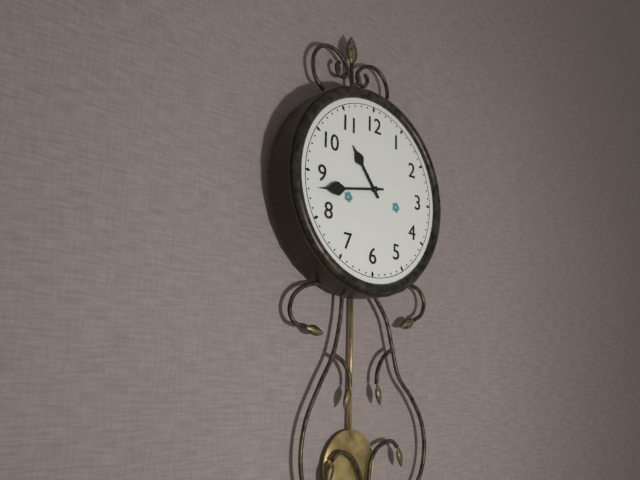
10:43
